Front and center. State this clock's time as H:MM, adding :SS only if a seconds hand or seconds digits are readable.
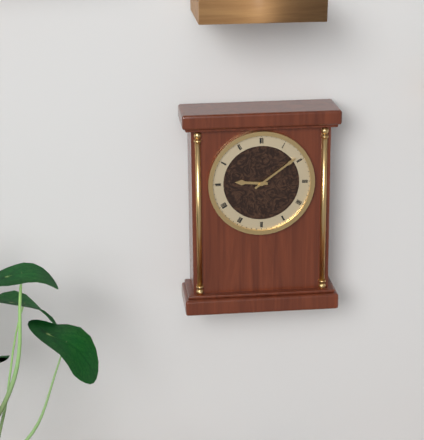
9:09
